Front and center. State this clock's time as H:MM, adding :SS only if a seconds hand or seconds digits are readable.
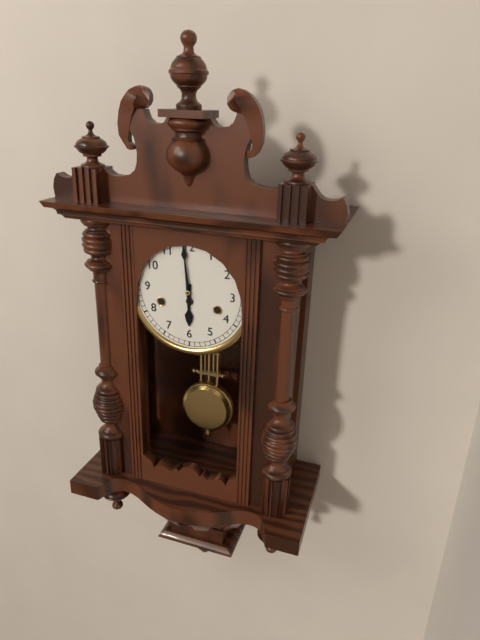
5:59
